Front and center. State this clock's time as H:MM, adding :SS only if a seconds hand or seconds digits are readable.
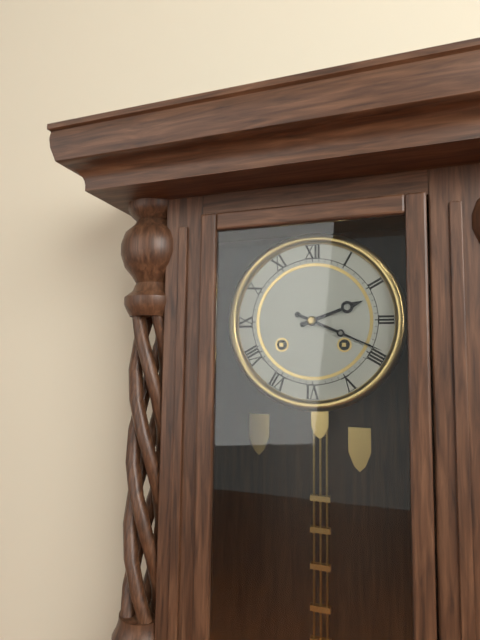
2:19
